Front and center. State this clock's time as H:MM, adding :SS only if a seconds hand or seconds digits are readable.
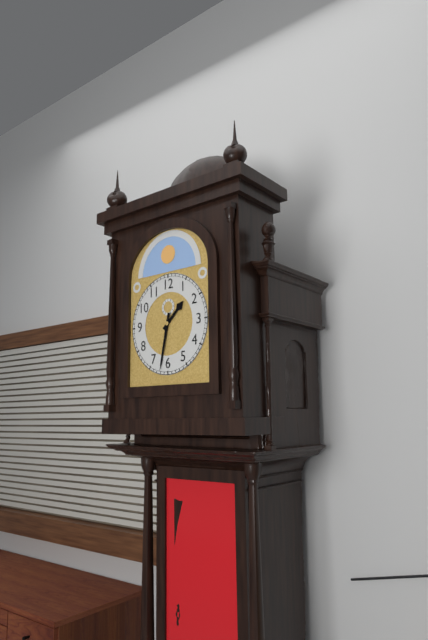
1:32
